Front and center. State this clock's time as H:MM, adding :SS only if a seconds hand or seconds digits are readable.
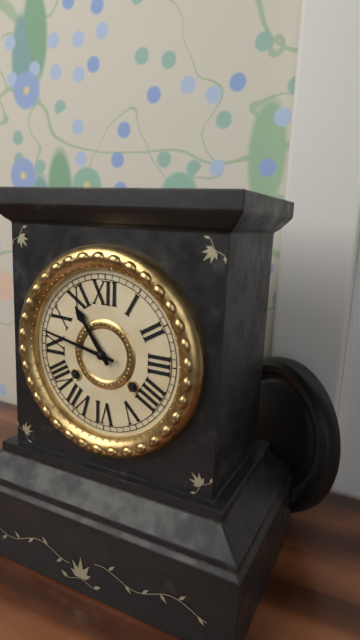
10:47
